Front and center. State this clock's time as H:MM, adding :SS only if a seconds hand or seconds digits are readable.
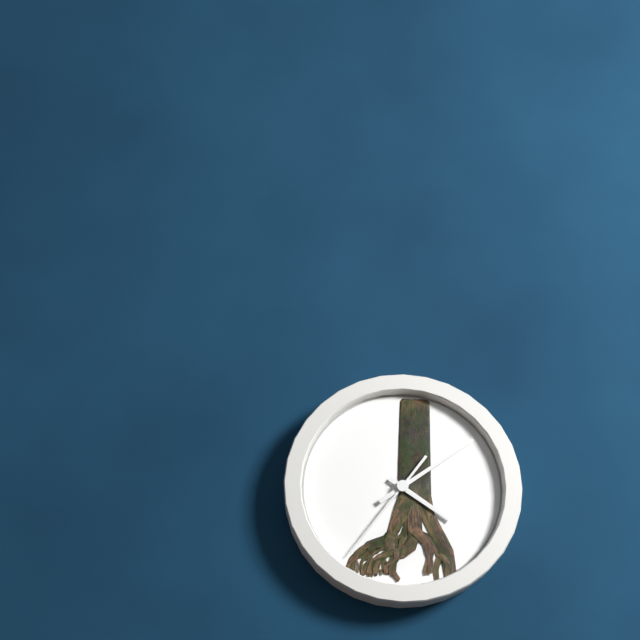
4:09:36
